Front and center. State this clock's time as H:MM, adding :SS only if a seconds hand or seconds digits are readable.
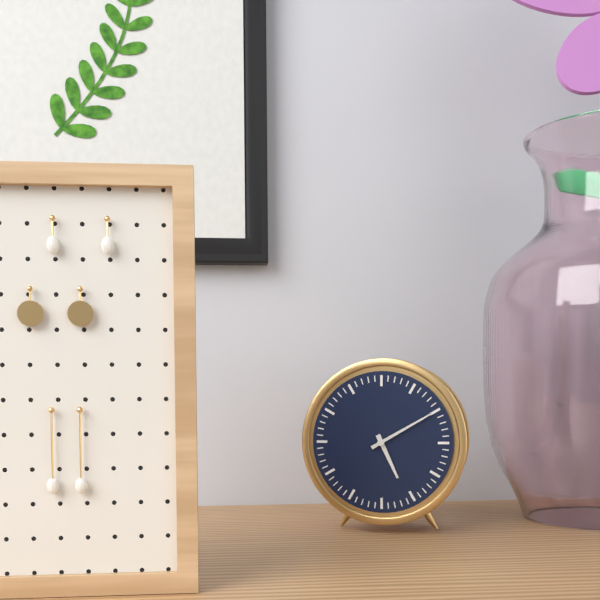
5:10
